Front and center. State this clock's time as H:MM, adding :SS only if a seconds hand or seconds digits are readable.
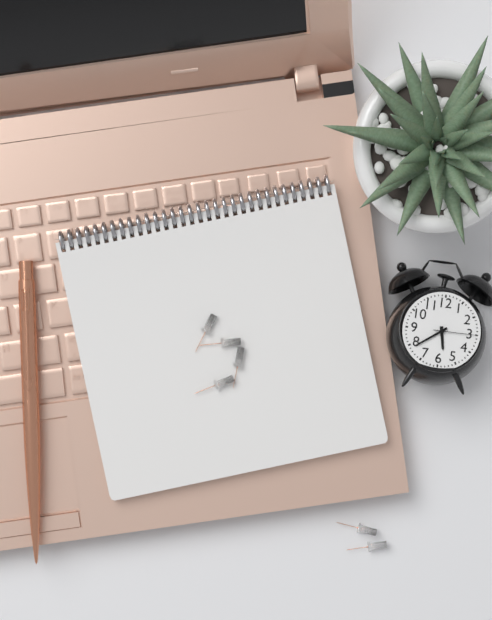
5:39
